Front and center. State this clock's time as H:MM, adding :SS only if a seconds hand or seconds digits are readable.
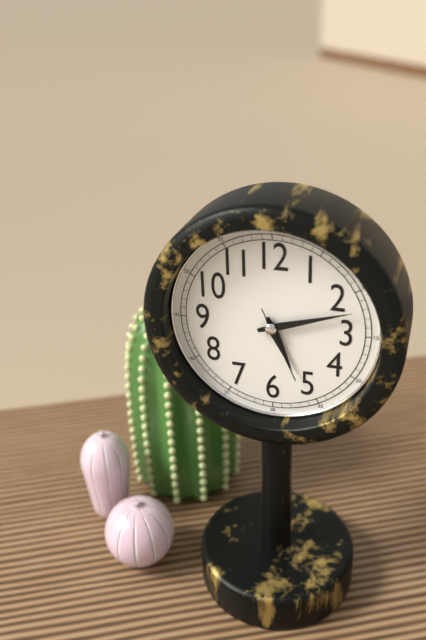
5:12:26
